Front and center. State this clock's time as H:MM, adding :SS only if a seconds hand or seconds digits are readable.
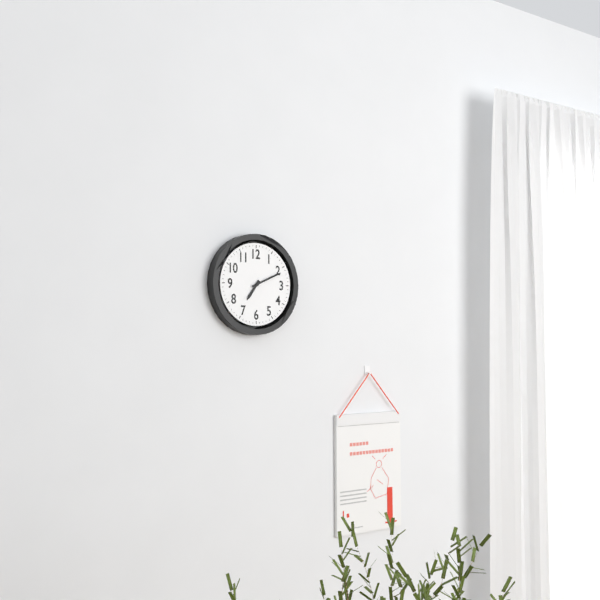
7:11
